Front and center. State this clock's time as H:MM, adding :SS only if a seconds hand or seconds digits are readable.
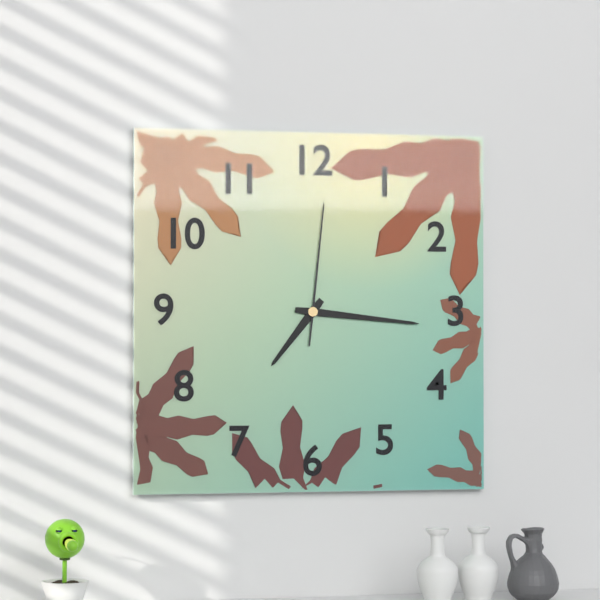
7:16:01
